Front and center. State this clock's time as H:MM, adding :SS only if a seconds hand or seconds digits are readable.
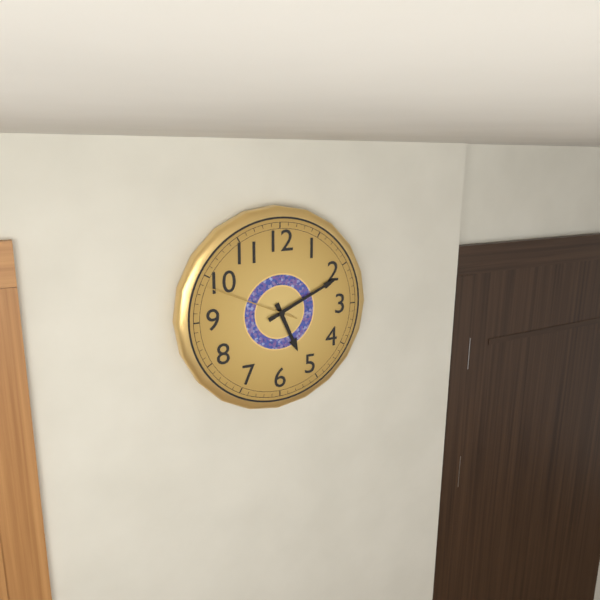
5:11:49
